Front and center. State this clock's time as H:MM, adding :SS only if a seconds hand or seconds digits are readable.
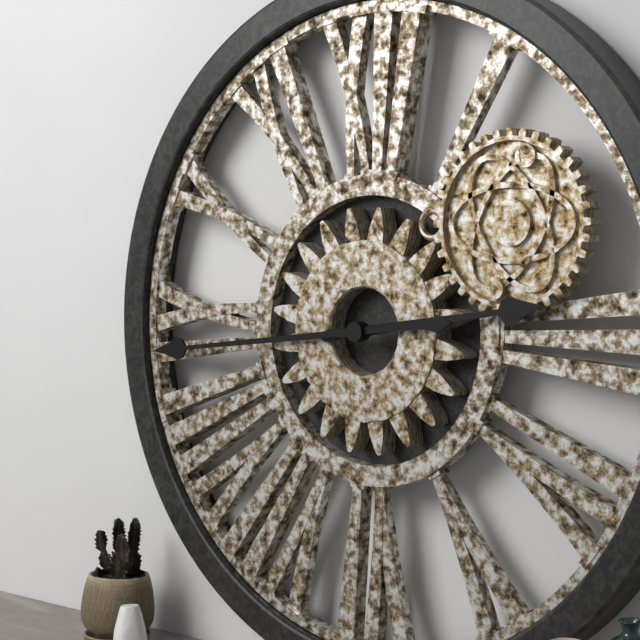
2:44
